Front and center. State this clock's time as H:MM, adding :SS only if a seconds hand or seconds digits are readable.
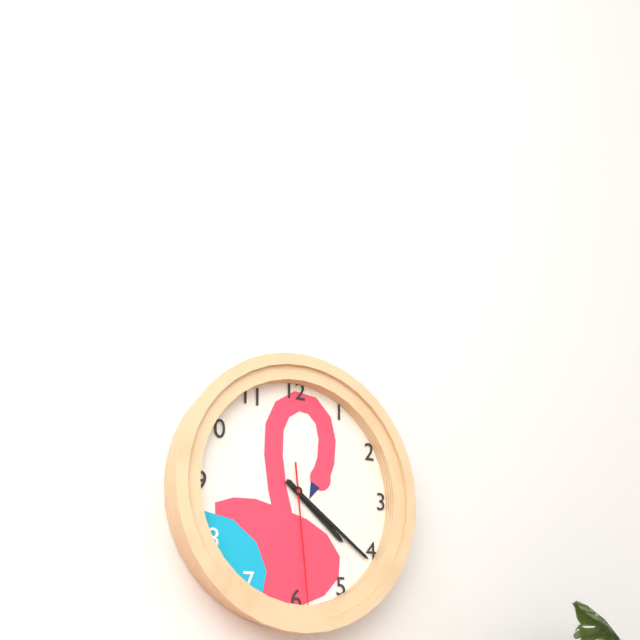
4:21:29
